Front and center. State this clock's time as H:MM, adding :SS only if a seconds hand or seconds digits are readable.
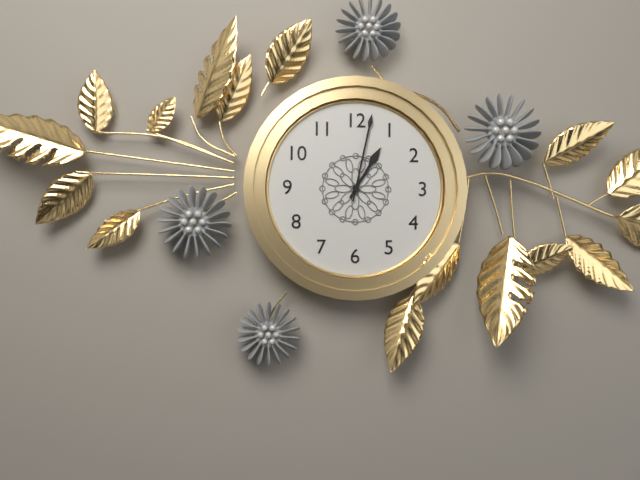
1:02
